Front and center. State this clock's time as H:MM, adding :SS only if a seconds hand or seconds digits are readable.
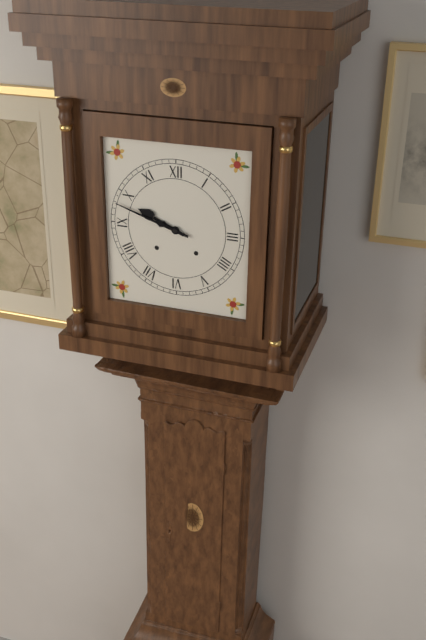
9:48
